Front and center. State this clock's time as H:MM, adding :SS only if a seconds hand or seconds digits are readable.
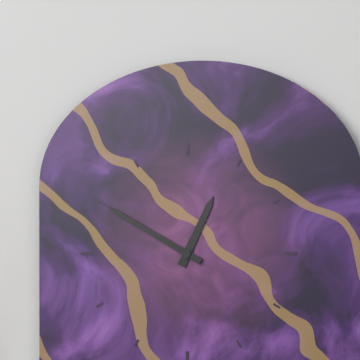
12:50
